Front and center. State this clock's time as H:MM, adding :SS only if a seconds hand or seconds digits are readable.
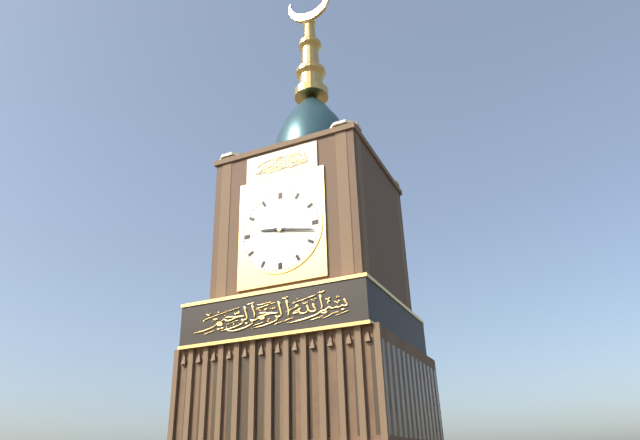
9:17
